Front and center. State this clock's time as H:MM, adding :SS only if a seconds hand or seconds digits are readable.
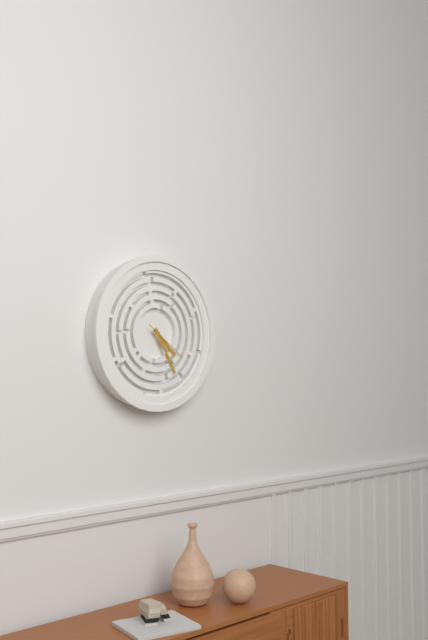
4:25:21
